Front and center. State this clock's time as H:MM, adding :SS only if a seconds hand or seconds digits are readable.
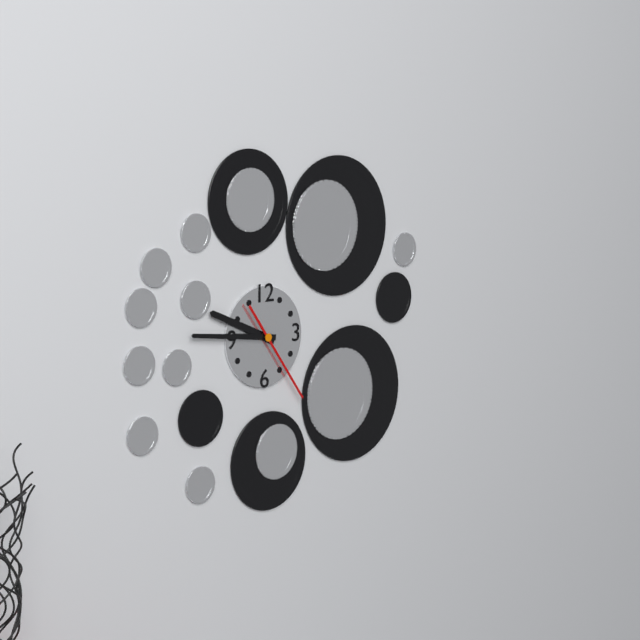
9:46:24
